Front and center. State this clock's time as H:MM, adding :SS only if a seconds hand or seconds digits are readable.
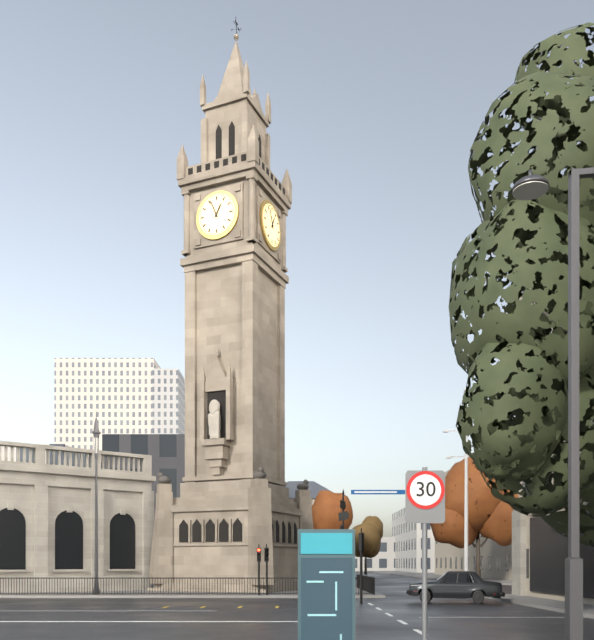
12:56
